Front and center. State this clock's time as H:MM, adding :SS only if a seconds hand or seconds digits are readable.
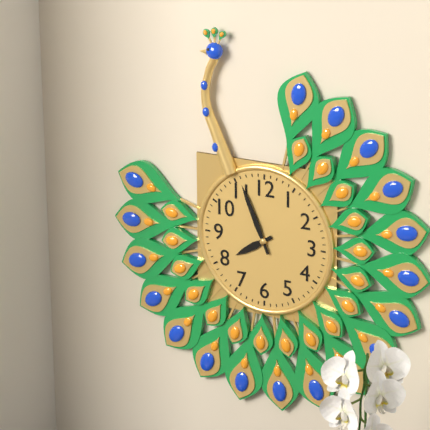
7:56
